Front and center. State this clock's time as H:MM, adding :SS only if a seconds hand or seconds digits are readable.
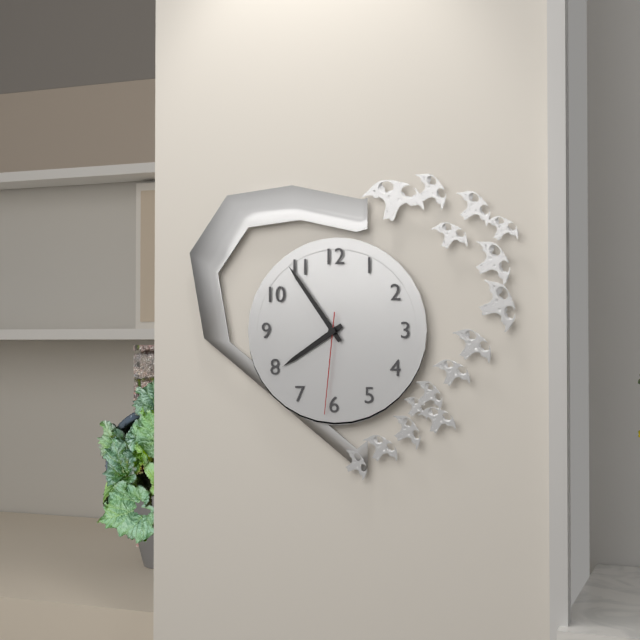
7:54:31
